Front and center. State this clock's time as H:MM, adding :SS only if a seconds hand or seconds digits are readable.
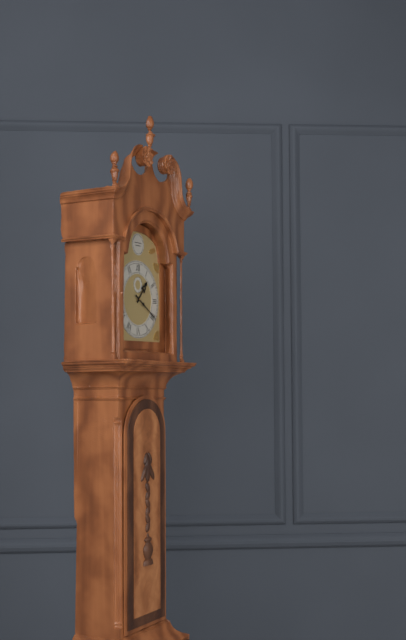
1:20
